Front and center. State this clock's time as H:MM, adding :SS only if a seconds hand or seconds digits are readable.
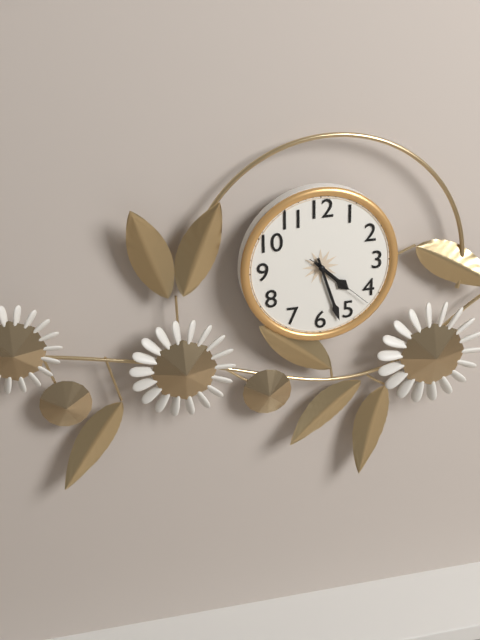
4:27:22
